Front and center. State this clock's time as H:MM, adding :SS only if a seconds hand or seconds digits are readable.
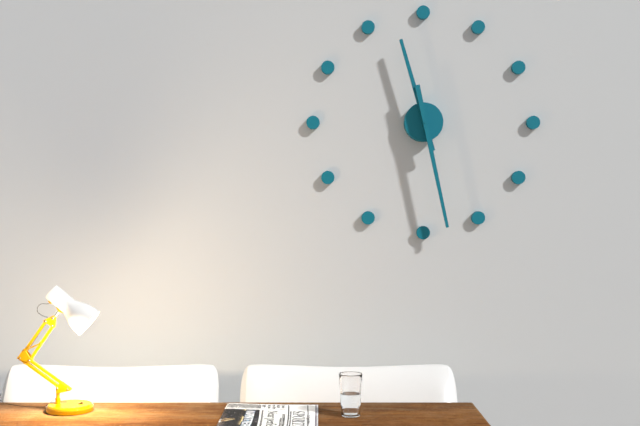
11:28
